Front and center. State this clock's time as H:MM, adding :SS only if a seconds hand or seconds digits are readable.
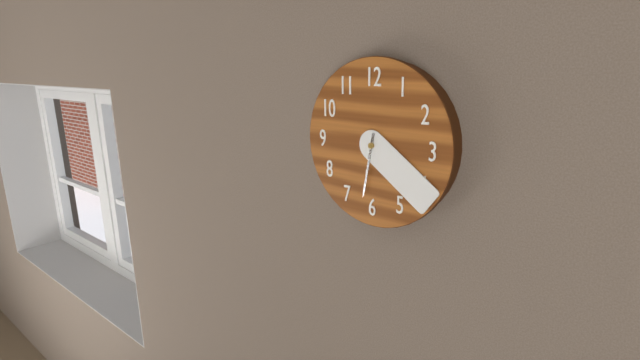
6:21
